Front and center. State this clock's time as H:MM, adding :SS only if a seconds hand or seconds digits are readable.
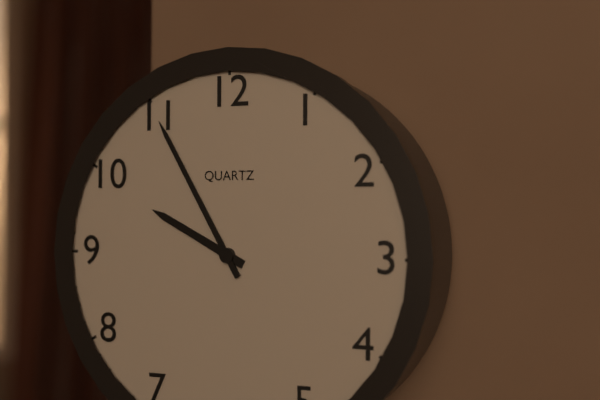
9:55
